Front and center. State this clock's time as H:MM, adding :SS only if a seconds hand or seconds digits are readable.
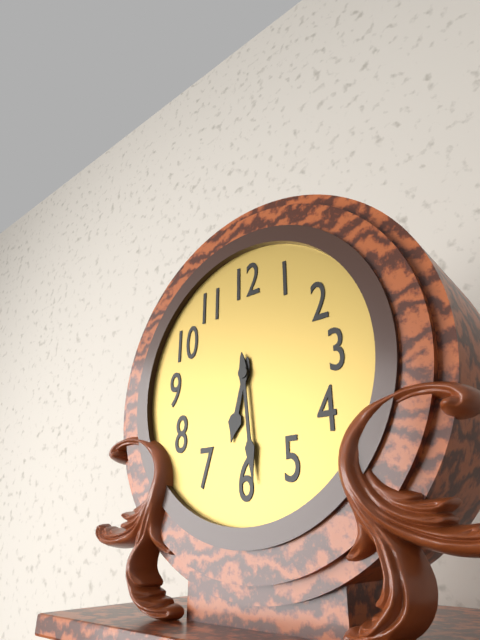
6:29
